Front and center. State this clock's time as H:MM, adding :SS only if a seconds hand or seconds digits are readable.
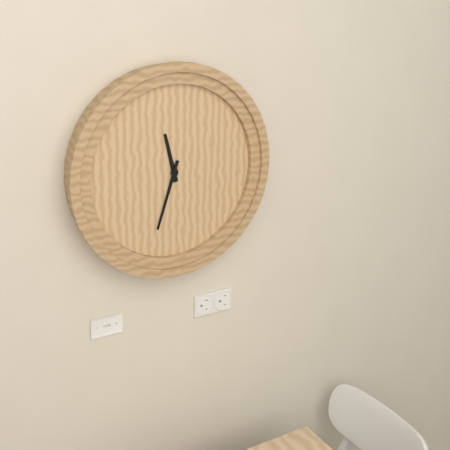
11:33
